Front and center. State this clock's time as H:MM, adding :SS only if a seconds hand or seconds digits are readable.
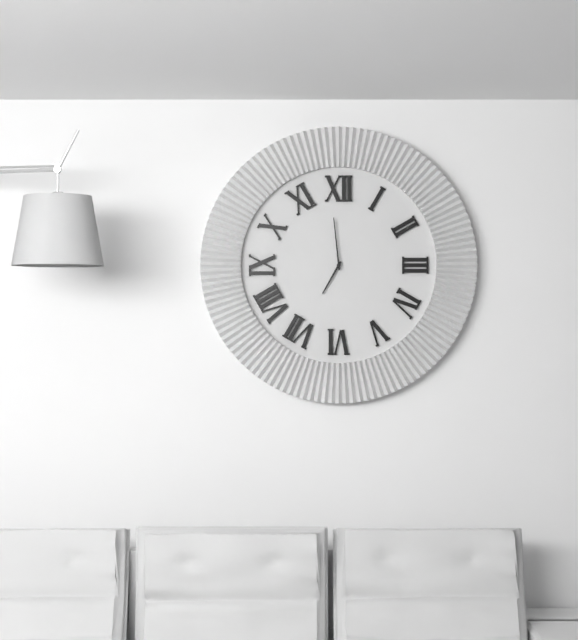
6:59
